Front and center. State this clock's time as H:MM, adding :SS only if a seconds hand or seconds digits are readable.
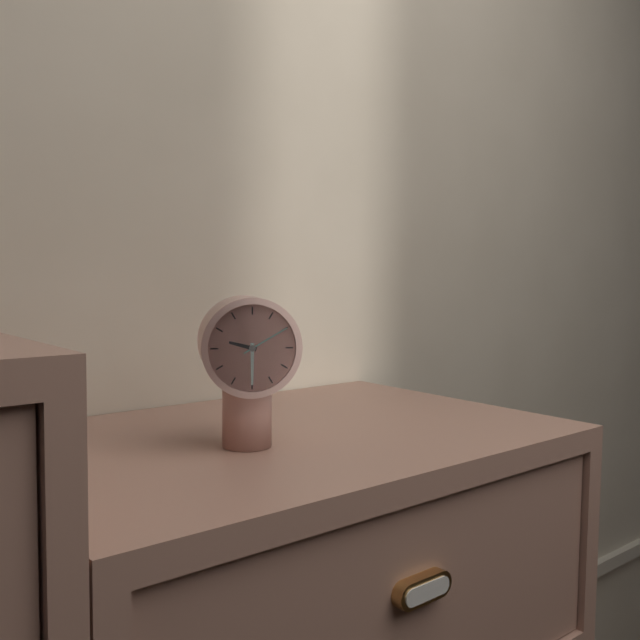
9:30:10
